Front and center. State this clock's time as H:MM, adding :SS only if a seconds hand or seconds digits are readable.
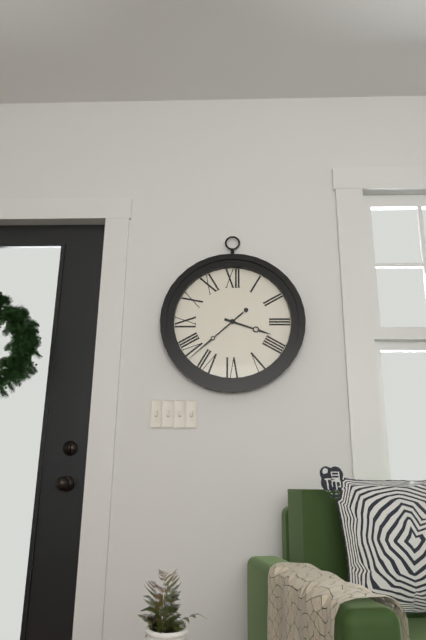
3:38
